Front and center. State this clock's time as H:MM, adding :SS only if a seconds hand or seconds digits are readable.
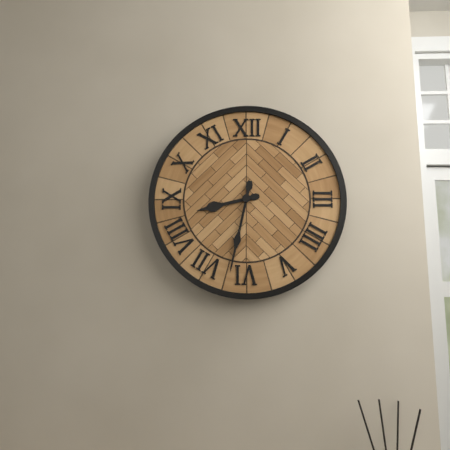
8:32
